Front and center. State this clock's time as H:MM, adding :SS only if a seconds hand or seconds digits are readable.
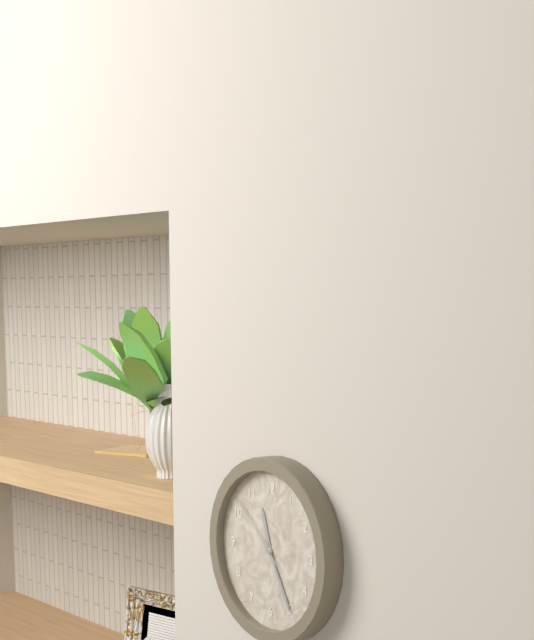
11:25:52
